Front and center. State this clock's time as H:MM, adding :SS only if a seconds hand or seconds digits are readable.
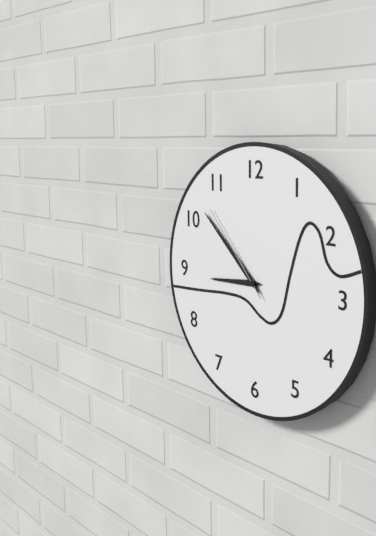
8:52:53
